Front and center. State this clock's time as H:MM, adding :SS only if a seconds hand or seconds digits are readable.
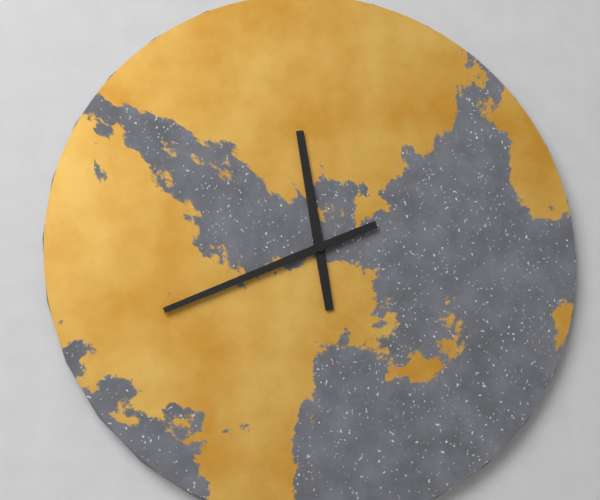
11:41
